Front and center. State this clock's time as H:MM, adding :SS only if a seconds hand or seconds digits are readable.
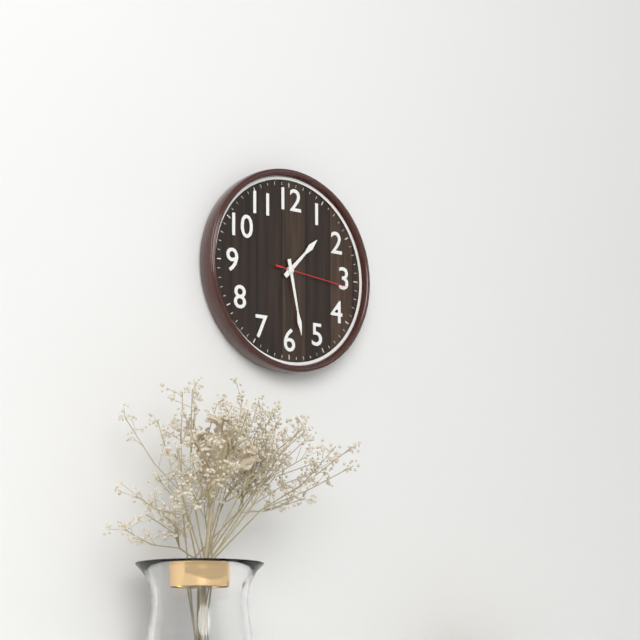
1:28:16
